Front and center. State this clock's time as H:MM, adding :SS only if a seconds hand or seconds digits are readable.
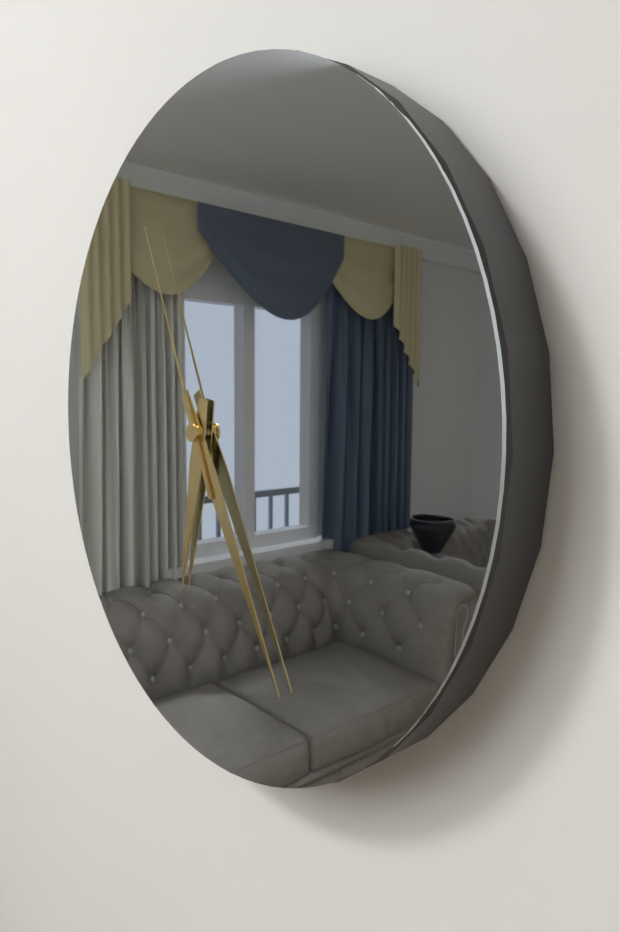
6:25:56
